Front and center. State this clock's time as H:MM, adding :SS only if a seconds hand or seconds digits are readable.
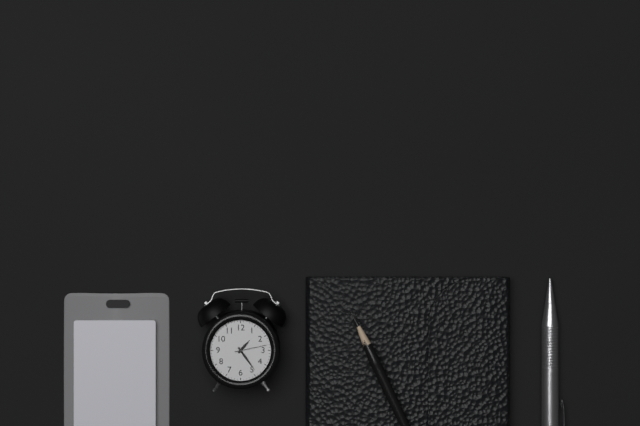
1:24
